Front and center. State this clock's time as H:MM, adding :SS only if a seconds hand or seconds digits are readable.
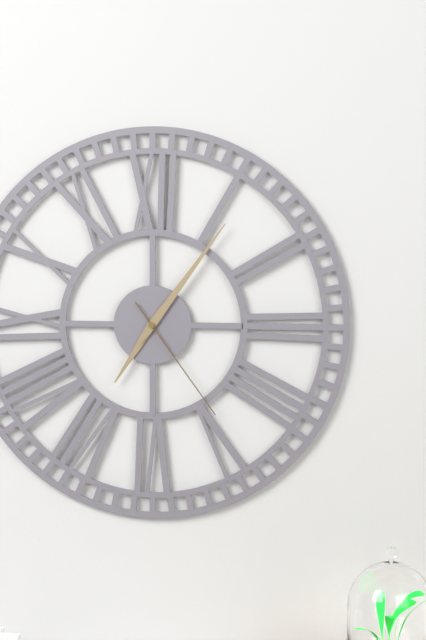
7:06:24
